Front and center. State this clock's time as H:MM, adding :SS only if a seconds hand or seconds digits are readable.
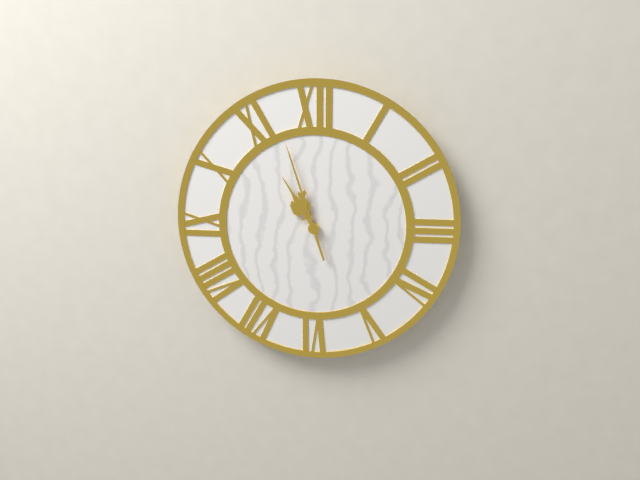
10:57
